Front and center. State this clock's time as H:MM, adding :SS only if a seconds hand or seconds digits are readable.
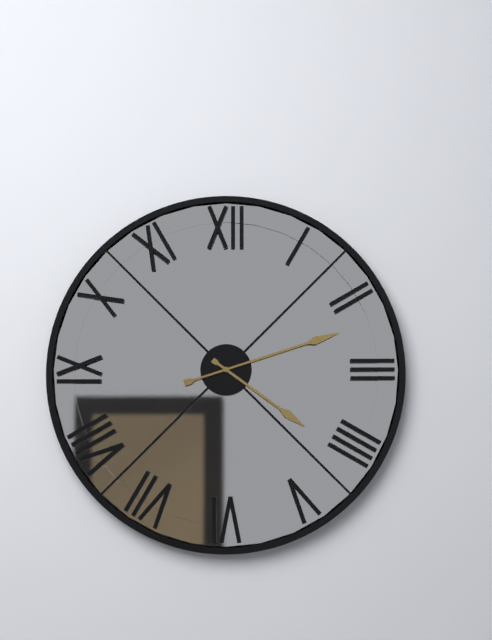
4:12
